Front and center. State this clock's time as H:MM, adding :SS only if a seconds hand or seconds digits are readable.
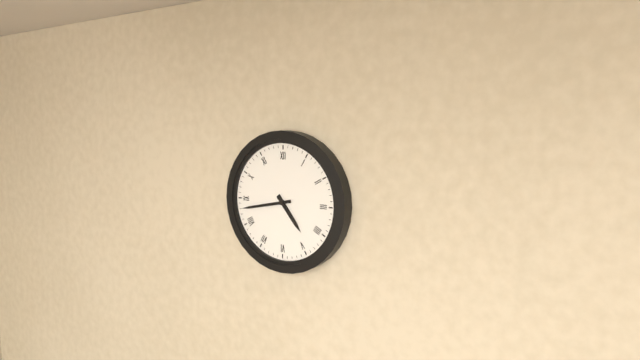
4:43
